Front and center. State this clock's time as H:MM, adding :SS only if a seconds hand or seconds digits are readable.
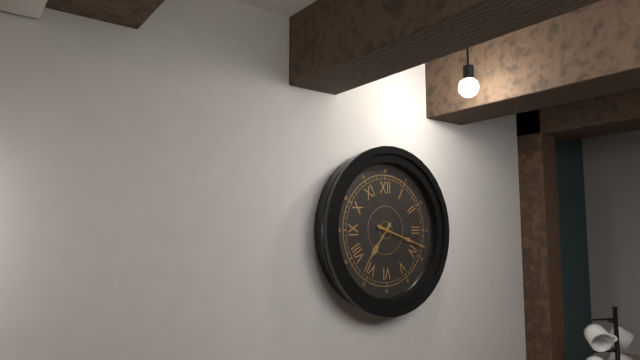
7:18
